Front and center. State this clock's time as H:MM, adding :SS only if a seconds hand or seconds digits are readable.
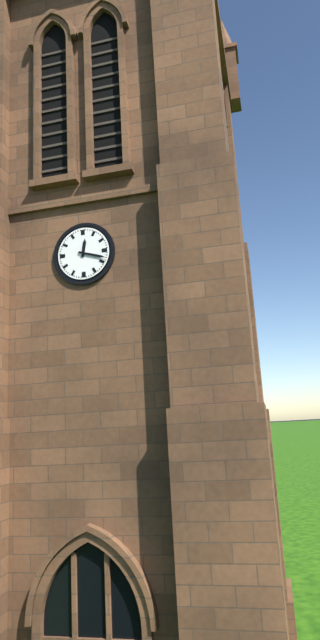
12:18
